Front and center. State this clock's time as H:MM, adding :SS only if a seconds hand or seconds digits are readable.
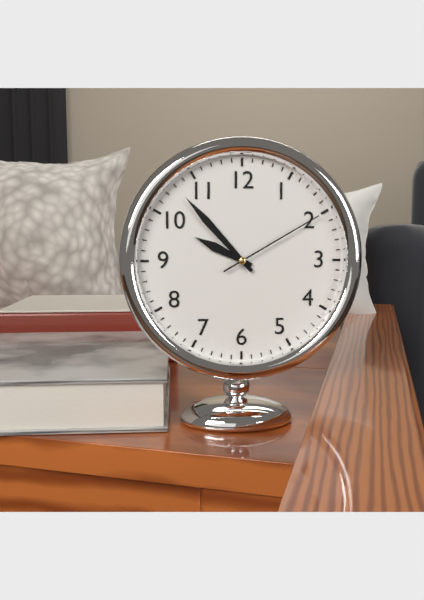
9:53:10
